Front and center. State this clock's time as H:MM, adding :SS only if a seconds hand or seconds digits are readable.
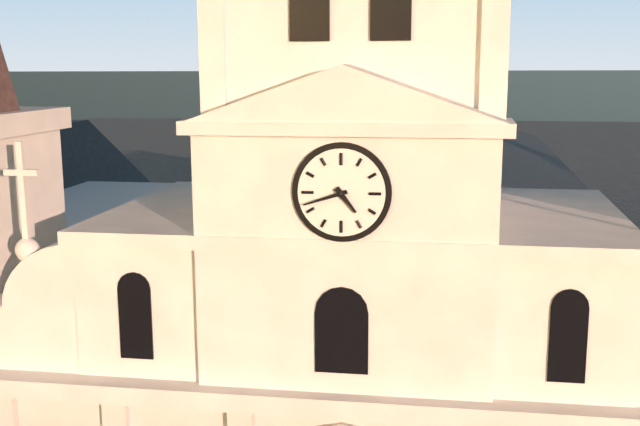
4:42
